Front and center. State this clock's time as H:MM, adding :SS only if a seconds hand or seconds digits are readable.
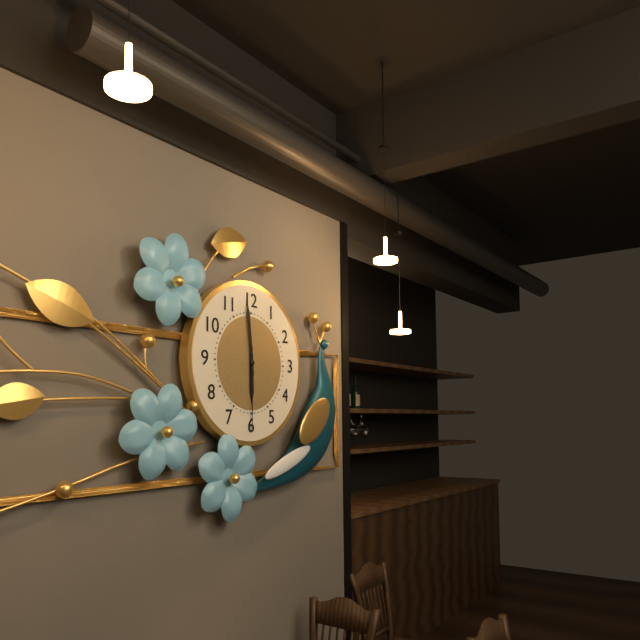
5:59:30
